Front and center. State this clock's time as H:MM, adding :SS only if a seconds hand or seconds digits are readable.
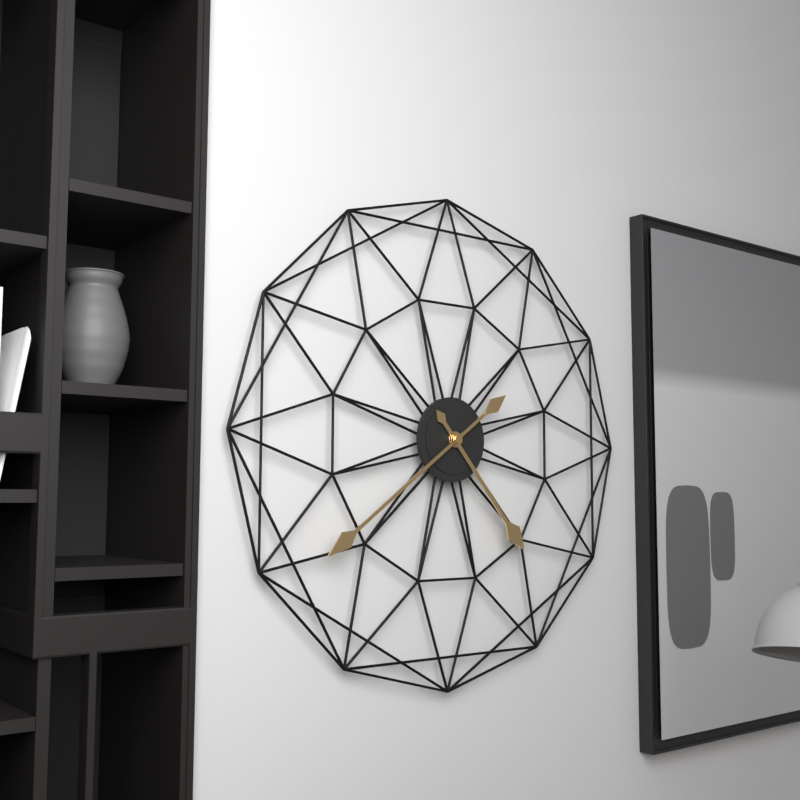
4:39
